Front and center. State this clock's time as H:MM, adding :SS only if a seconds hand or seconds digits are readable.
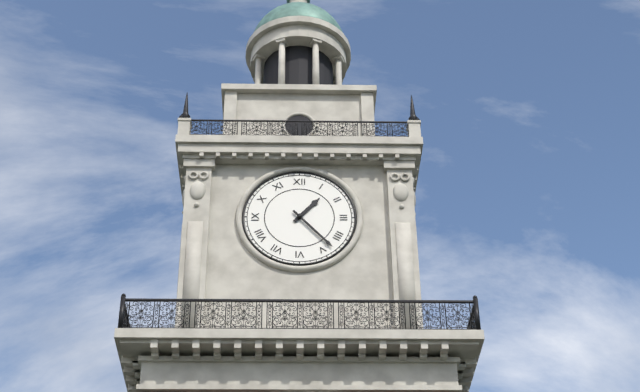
1:23
